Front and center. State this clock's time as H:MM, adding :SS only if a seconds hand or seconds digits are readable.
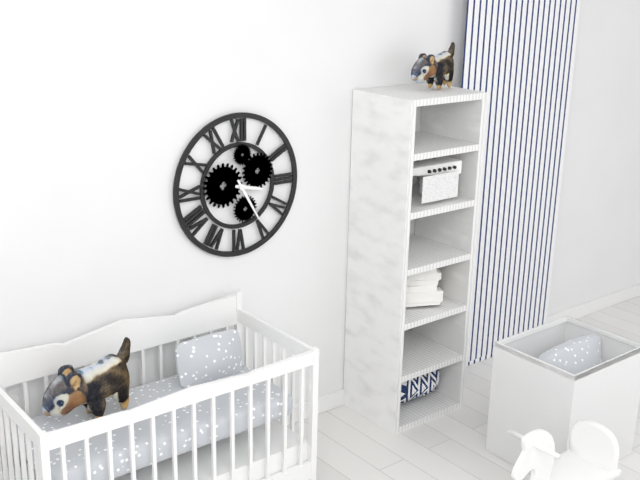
3:25
